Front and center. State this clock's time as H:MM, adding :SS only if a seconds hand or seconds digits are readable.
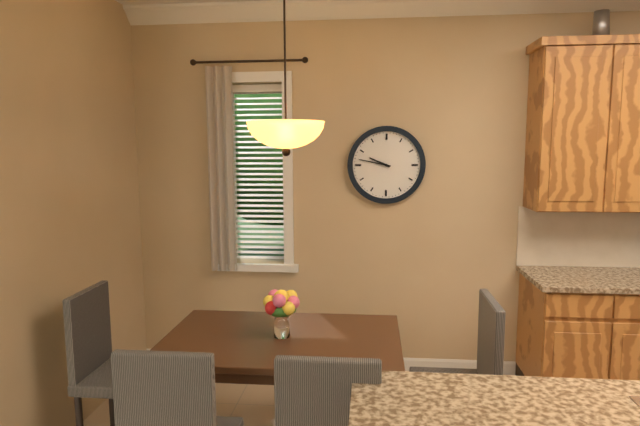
9:47
